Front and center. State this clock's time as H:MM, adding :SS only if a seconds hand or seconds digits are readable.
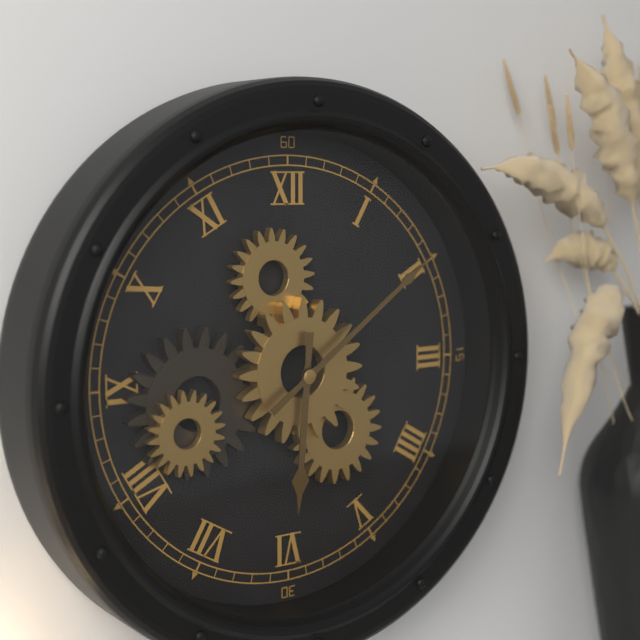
6:09
